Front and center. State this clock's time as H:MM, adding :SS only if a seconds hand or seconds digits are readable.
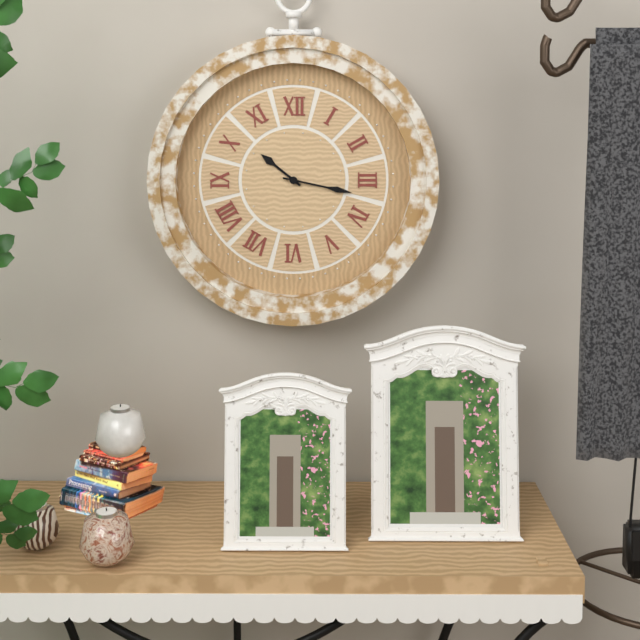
10:17
